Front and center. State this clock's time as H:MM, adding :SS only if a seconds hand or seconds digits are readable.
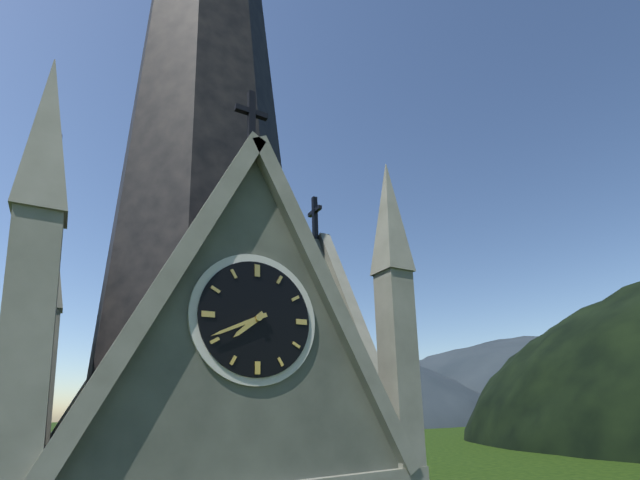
7:41
